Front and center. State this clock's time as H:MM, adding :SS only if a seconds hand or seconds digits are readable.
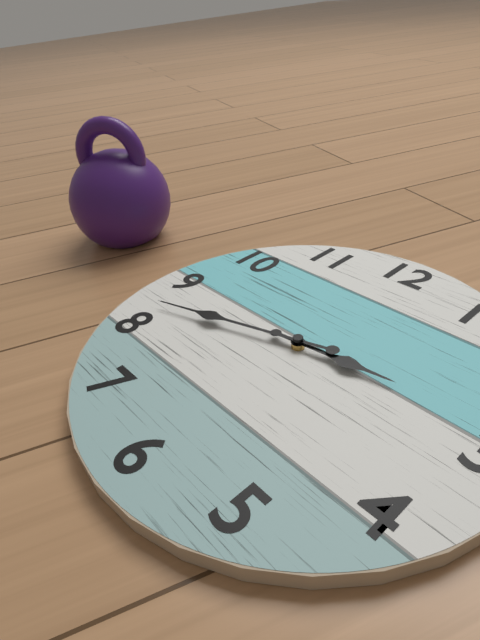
2:42
